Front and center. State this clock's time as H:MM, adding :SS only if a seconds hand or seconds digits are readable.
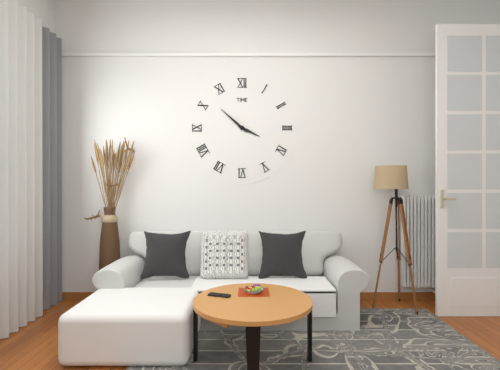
3:52
